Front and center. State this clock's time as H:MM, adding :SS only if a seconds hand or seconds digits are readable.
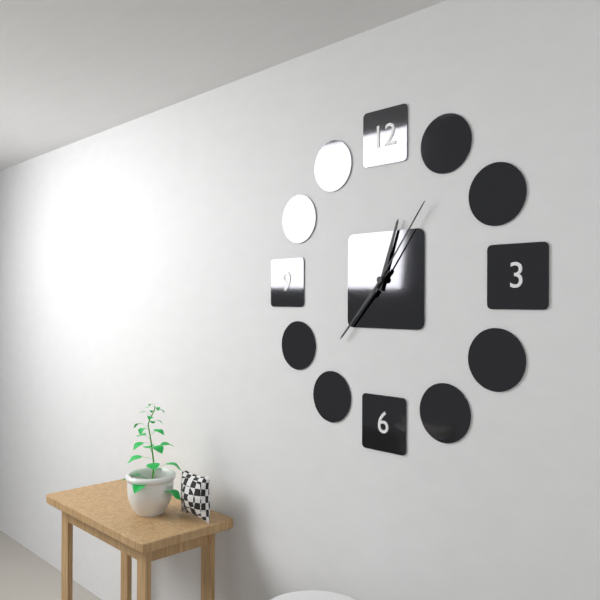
12:37:06
